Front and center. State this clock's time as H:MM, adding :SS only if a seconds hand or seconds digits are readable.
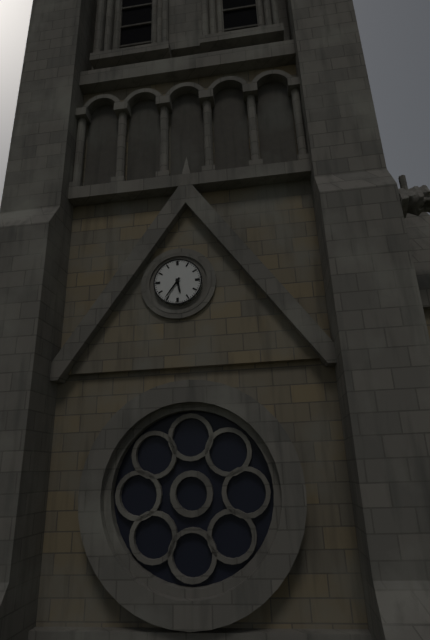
5:36
